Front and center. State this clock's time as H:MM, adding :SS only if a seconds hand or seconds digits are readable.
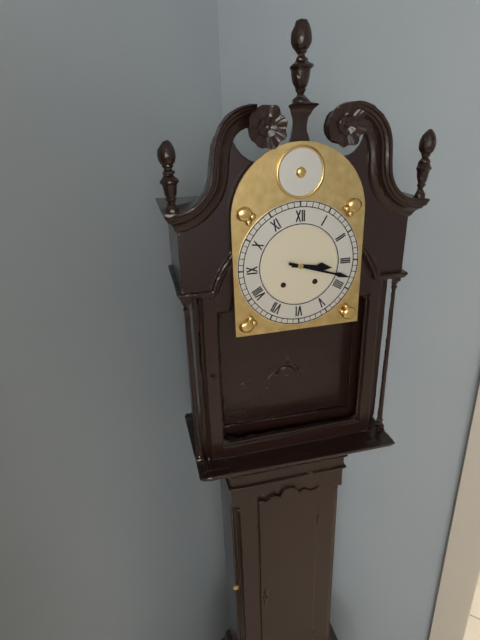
3:18
